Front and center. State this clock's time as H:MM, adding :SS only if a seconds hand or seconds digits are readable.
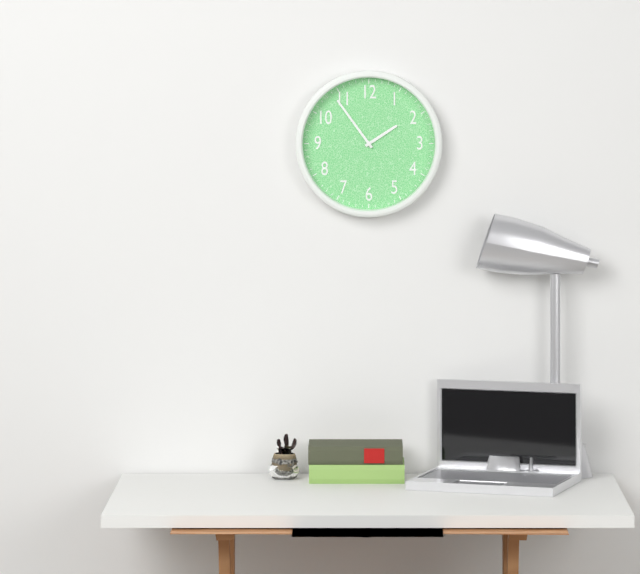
1:54
